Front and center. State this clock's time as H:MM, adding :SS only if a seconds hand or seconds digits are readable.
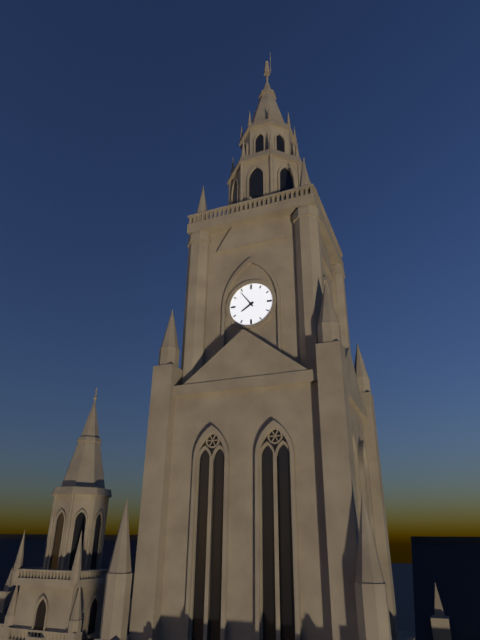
7:54
